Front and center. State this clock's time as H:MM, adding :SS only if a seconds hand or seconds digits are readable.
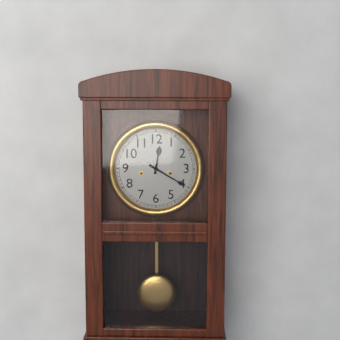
12:20
